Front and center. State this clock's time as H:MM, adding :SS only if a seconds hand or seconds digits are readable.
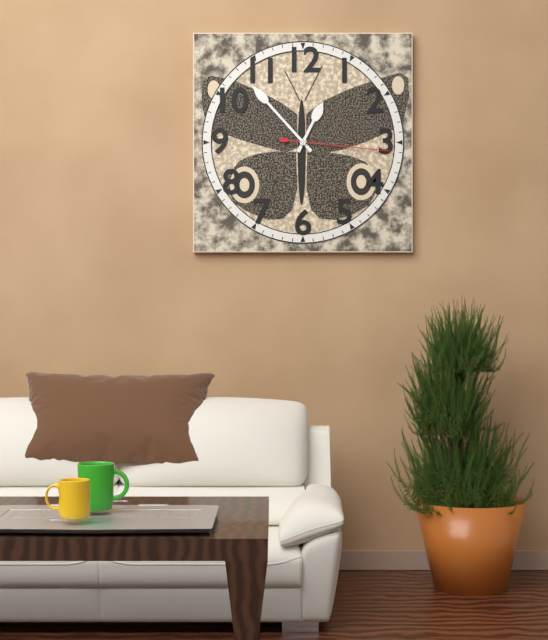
12:53:16
